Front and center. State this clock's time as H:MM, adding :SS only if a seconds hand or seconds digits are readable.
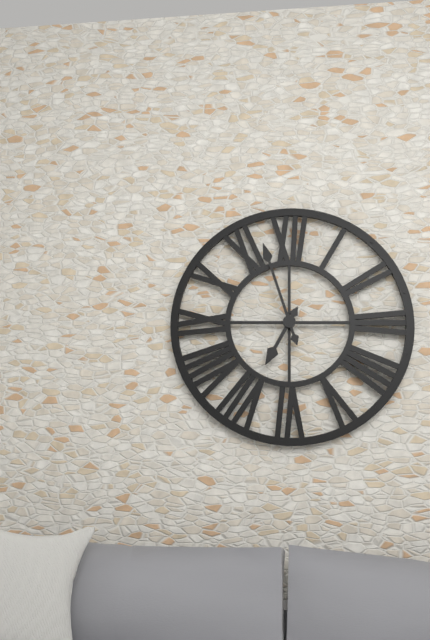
6:57
